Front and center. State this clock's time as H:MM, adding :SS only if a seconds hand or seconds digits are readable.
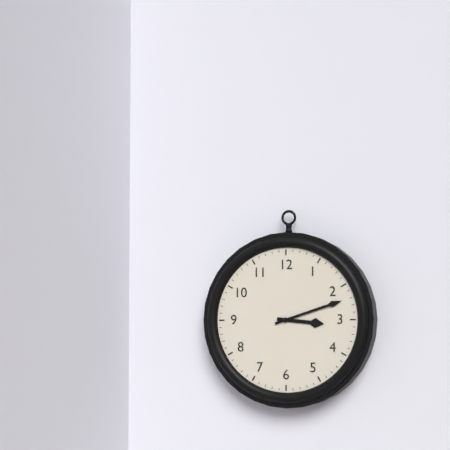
3:12
